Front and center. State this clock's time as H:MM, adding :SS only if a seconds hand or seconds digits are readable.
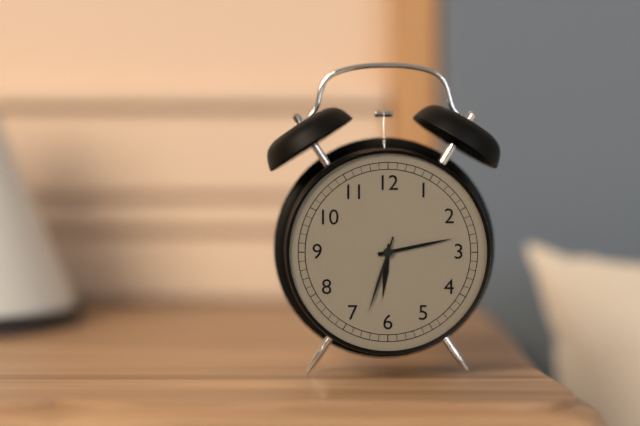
6:13:33
